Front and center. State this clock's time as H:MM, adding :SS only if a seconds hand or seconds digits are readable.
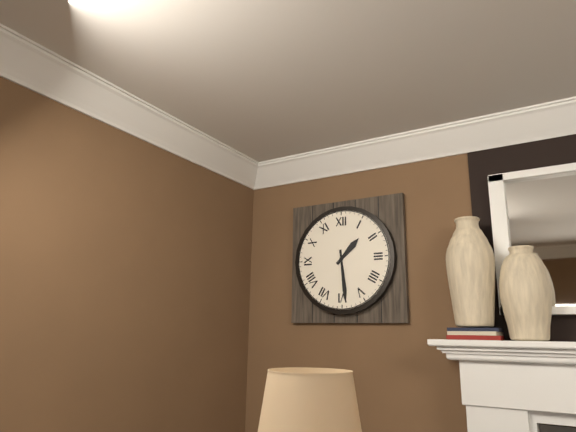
1:29
